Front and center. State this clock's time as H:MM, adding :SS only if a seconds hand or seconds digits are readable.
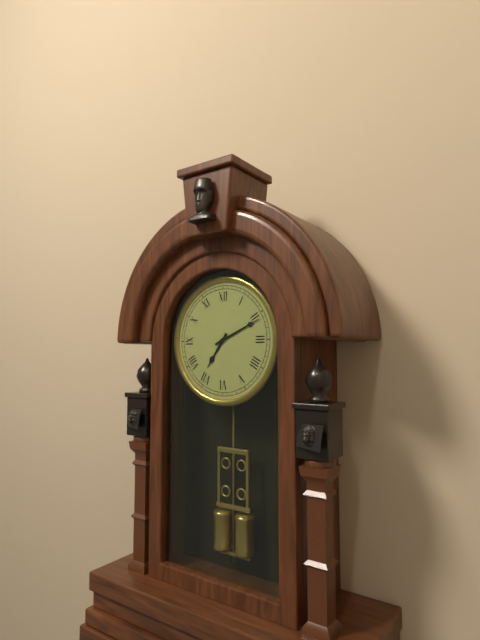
7:11
